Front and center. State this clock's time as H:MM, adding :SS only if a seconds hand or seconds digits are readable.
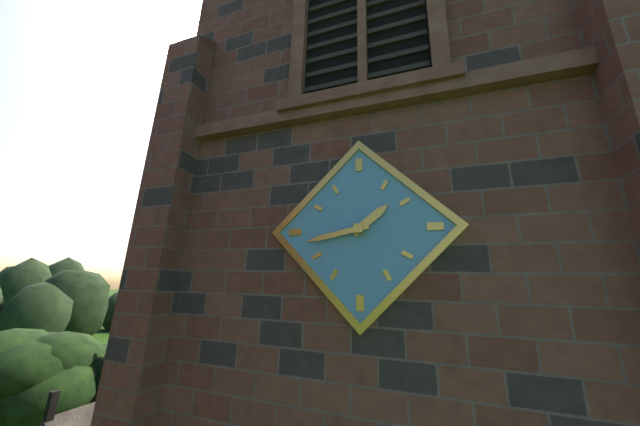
1:43
